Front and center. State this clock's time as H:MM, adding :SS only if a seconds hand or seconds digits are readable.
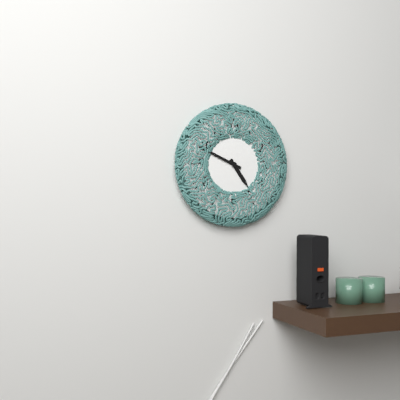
4:49
